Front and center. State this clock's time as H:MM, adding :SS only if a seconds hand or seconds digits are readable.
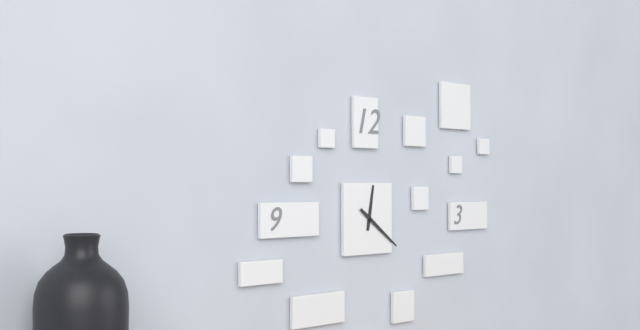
12:21
